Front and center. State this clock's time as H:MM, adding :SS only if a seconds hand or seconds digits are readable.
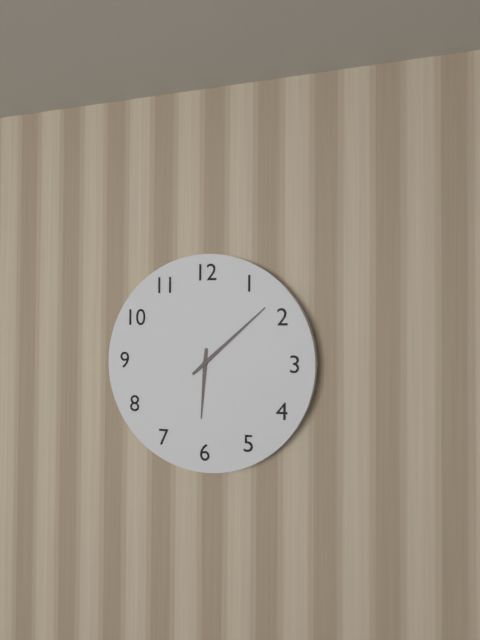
6:08
